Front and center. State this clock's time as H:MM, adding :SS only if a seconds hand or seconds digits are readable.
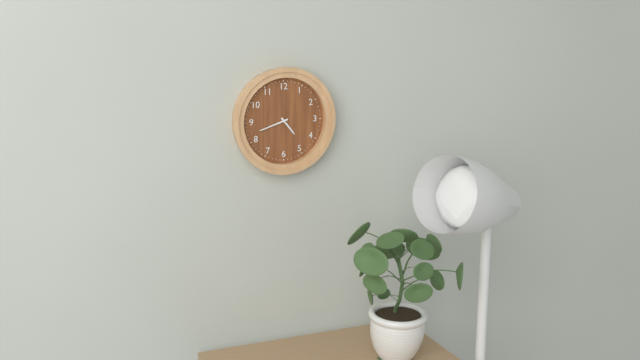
4:42
